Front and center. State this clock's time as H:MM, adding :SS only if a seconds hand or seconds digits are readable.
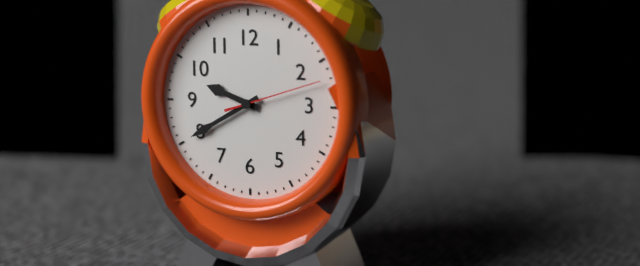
9:40:12
